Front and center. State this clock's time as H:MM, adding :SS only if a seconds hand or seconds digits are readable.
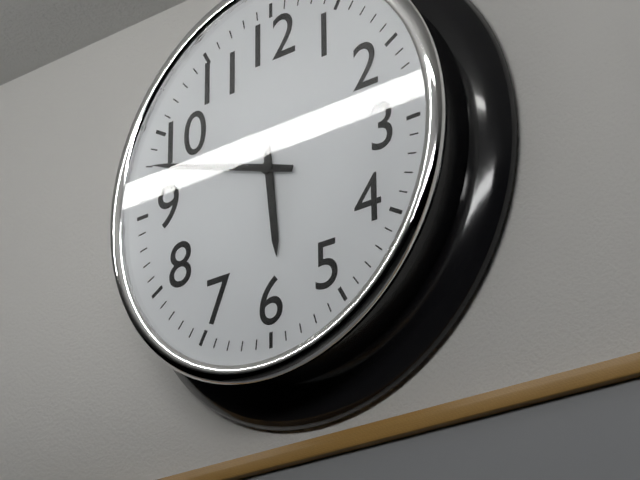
5:48
